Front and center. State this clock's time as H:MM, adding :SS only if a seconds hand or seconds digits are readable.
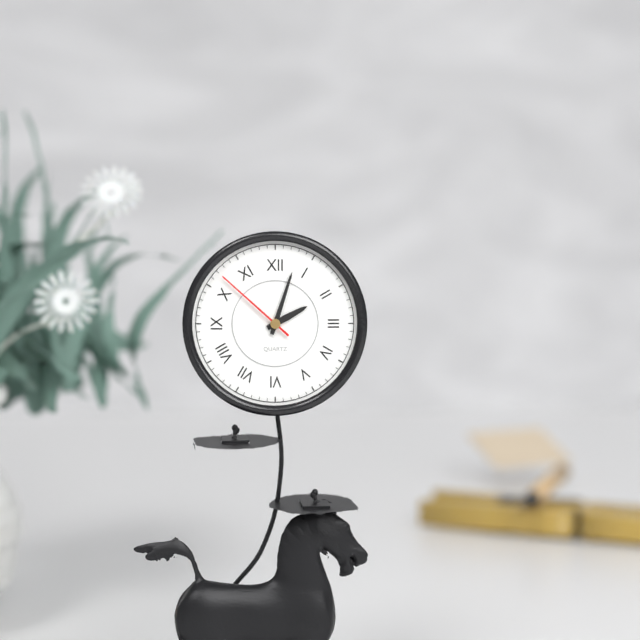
2:03:52
